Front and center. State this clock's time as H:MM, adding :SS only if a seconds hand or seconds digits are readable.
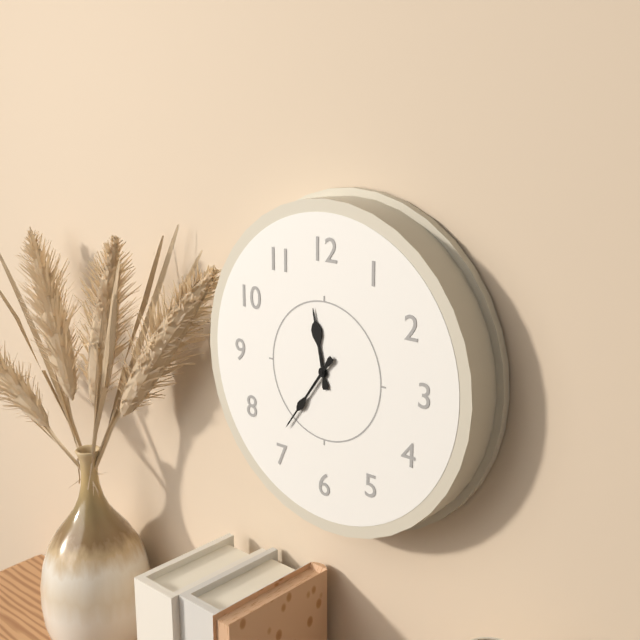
11:36
